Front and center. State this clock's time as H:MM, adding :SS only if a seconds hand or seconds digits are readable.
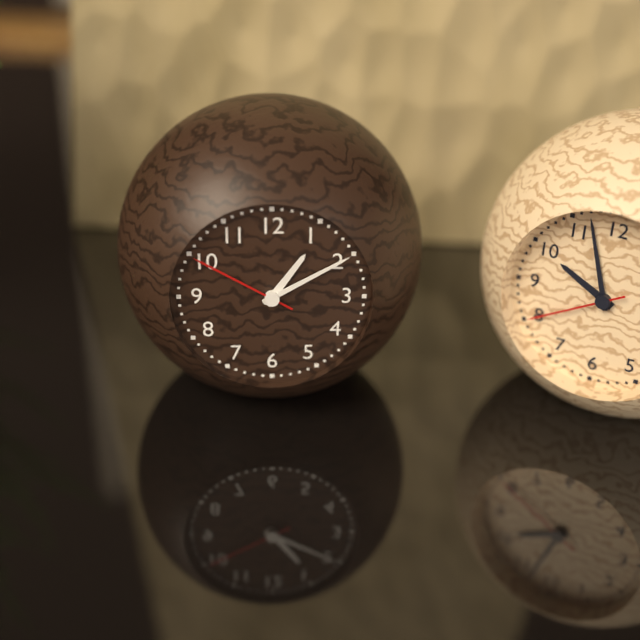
1:10:50
